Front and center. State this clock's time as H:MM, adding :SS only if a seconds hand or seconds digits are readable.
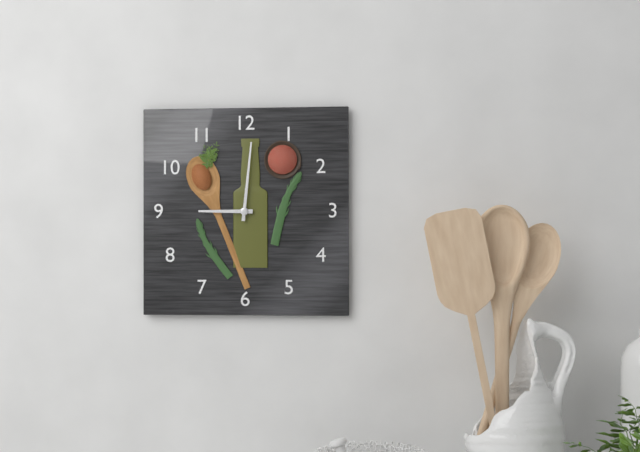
9:01
